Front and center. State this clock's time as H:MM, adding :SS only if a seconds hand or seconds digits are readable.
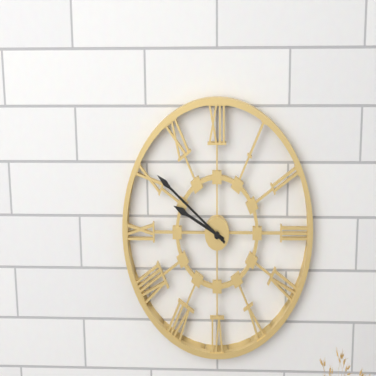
9:51
